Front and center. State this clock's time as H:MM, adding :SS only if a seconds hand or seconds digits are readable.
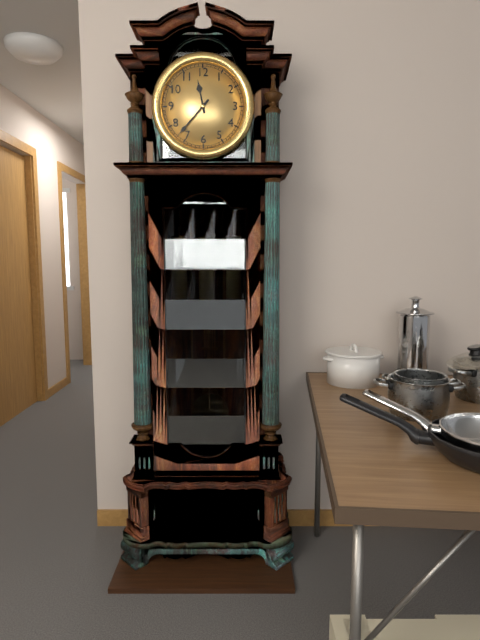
11:37
